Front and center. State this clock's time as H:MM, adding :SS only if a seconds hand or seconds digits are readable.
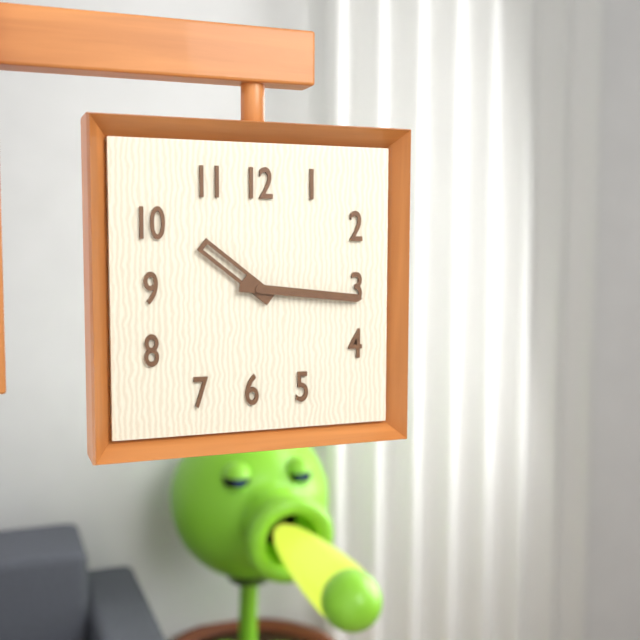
10:16
